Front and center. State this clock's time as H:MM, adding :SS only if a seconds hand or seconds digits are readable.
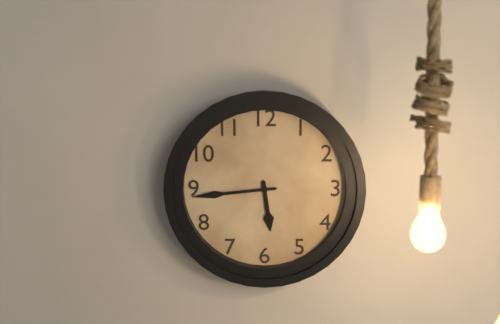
5:44
